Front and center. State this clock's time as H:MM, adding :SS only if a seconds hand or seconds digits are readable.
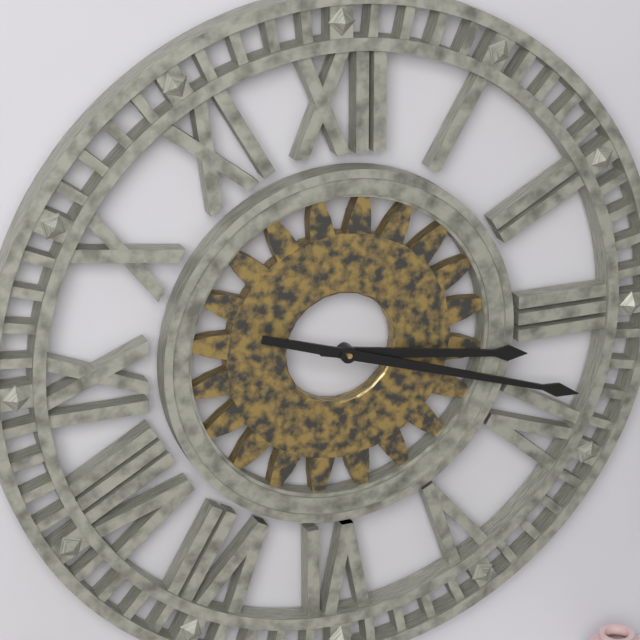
3:18
